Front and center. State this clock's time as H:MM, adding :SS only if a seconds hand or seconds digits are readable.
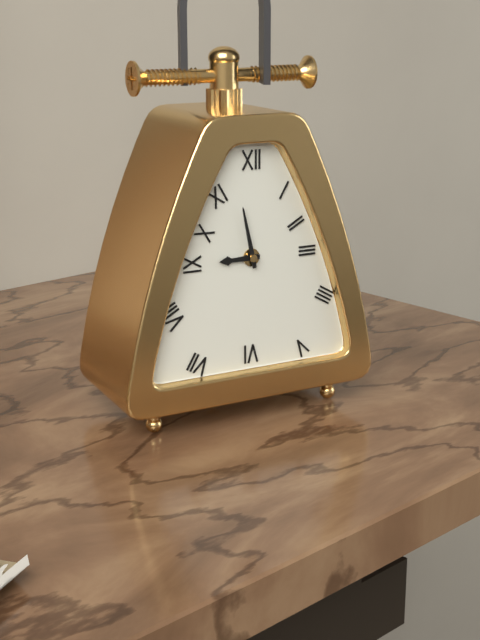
8:58
